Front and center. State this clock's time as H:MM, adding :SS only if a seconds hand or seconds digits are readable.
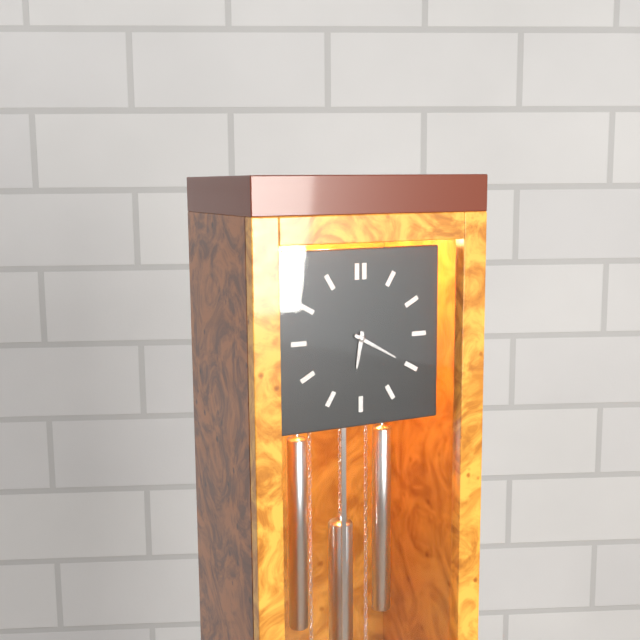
6:20
